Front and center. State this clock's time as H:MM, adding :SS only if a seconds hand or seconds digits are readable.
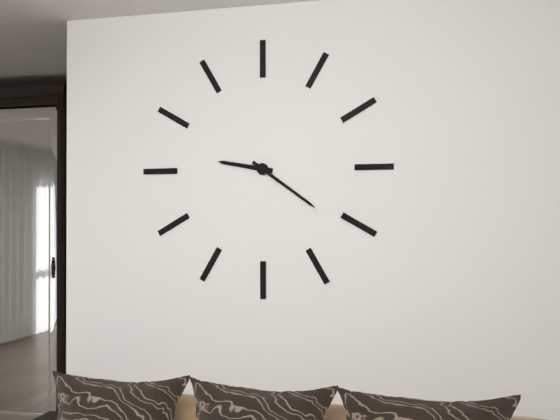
9:21
